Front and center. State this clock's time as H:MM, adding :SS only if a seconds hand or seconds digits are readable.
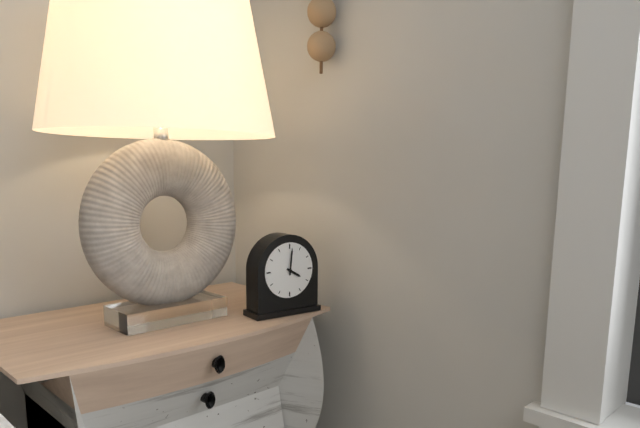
4:01
